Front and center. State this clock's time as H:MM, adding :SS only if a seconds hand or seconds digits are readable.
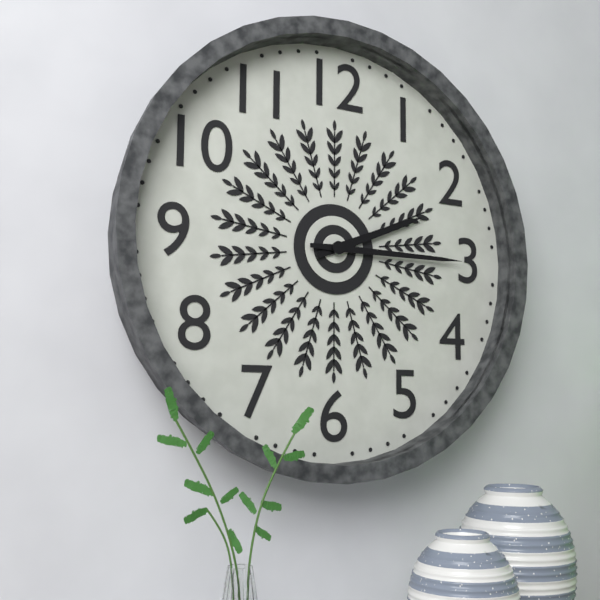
2:15
